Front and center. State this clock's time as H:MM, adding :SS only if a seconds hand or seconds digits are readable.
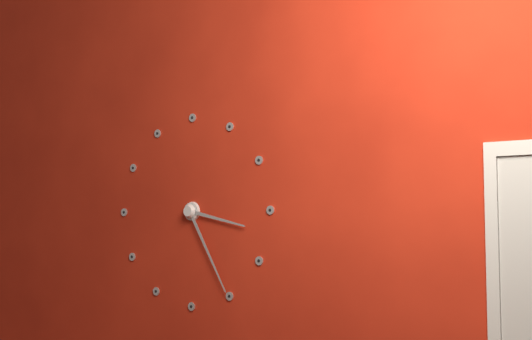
3:25
